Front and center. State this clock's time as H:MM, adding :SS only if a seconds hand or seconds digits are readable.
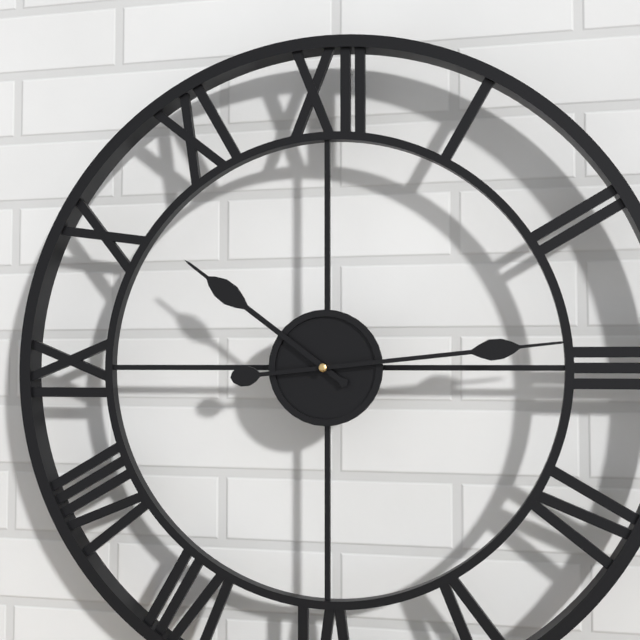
10:14
